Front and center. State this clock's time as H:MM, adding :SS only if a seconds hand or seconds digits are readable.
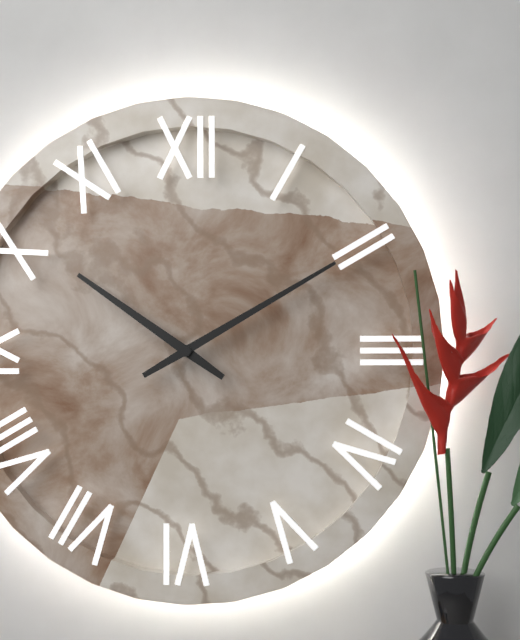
10:10
